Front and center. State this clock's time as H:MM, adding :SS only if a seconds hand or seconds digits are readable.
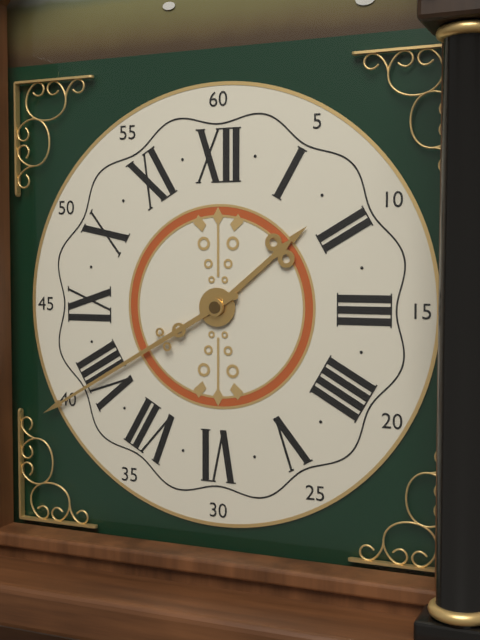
1:40
